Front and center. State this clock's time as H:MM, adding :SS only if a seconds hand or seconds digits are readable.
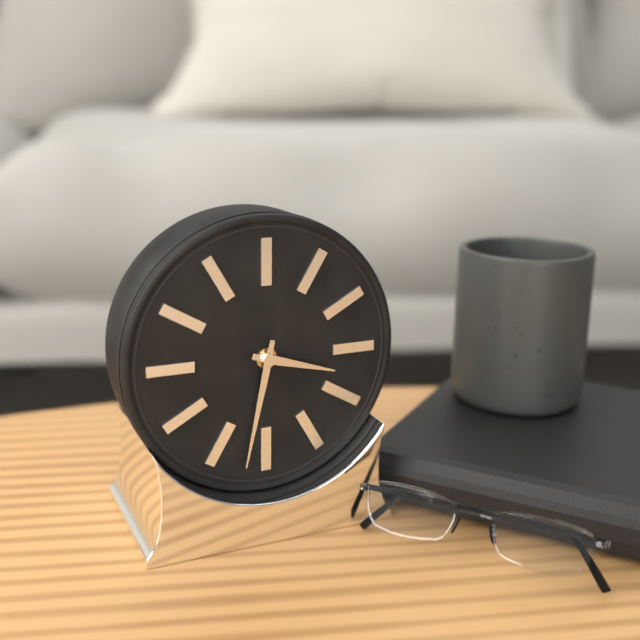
3:32
